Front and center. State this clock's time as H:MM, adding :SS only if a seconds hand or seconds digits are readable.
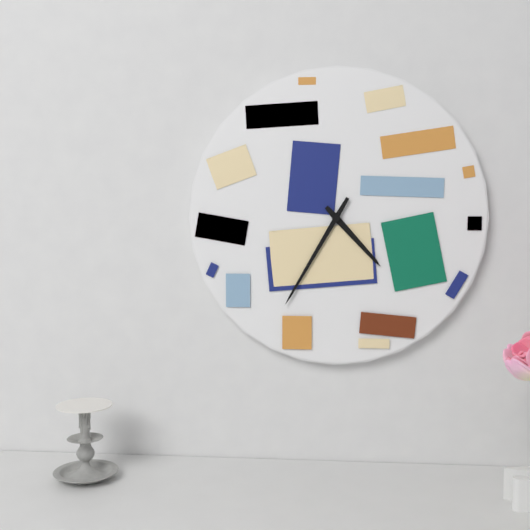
4:35
